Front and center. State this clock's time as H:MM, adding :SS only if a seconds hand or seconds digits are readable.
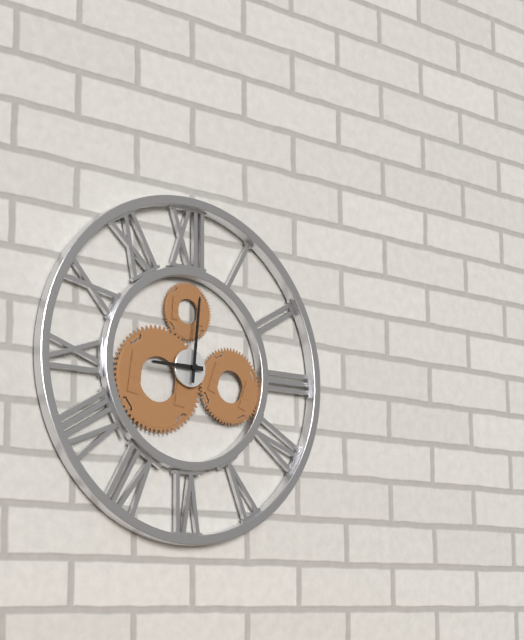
9:01
